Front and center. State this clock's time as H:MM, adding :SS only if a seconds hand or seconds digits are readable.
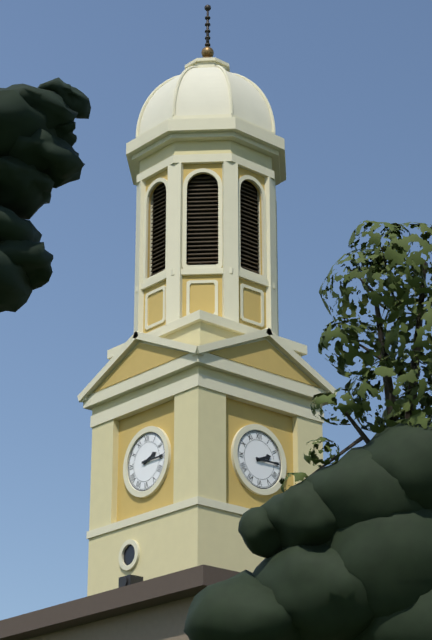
2:15
